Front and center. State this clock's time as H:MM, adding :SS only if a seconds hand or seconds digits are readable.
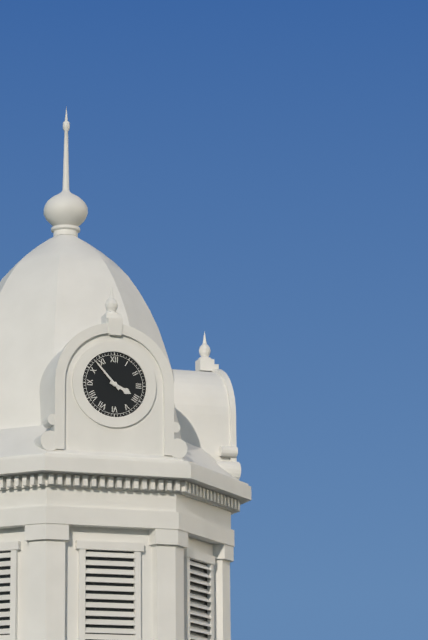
3:53
